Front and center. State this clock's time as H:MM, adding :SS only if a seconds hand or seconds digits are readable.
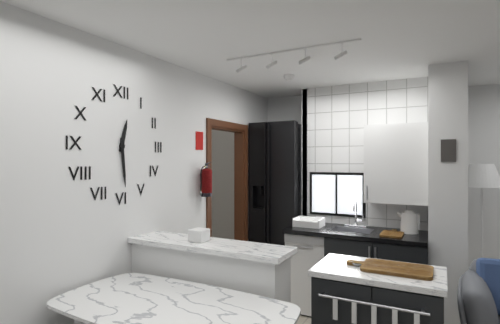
12:29
